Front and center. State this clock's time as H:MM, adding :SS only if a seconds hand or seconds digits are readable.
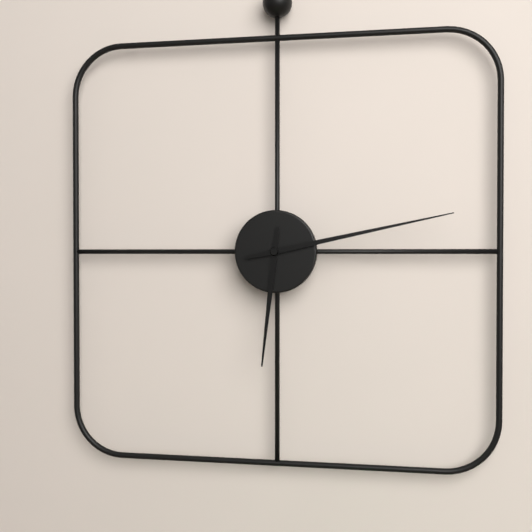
6:13
